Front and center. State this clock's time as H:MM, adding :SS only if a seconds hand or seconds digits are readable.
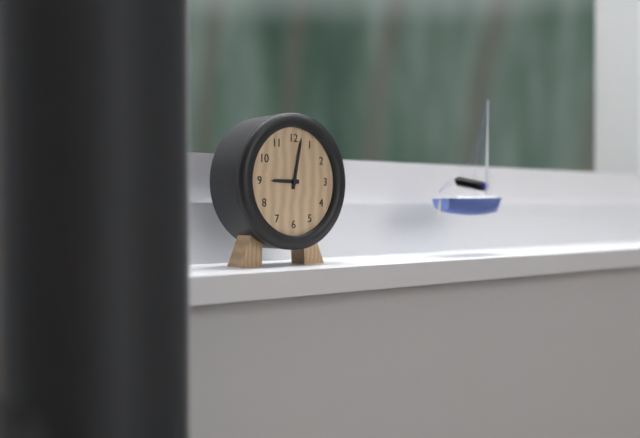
9:02
